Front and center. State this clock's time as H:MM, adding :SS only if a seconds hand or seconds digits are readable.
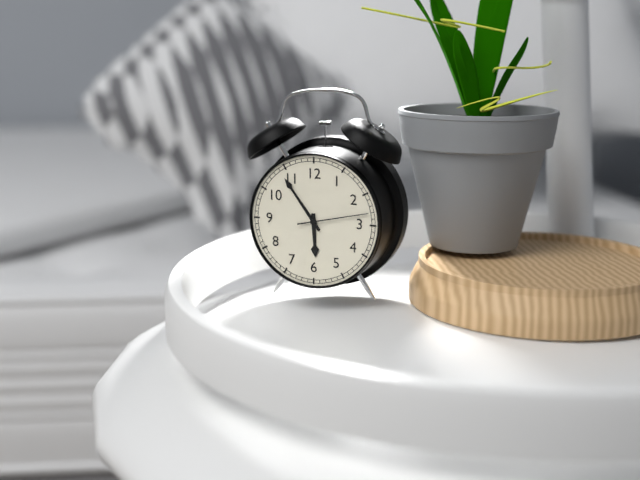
5:54:13
